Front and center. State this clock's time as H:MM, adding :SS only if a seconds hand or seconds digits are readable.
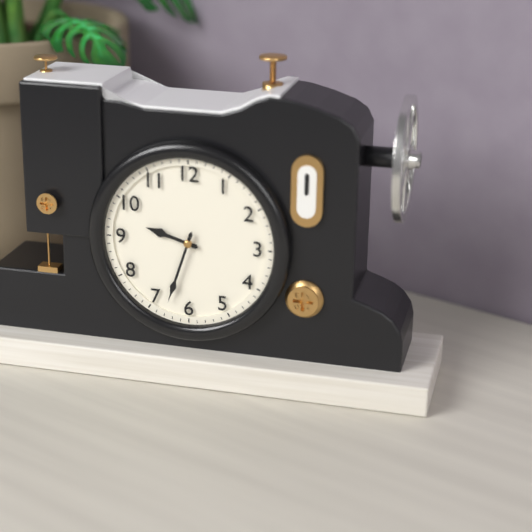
9:33
